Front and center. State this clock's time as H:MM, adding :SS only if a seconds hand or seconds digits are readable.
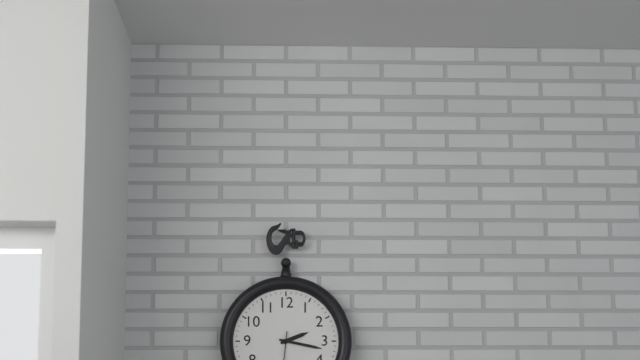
2:17
